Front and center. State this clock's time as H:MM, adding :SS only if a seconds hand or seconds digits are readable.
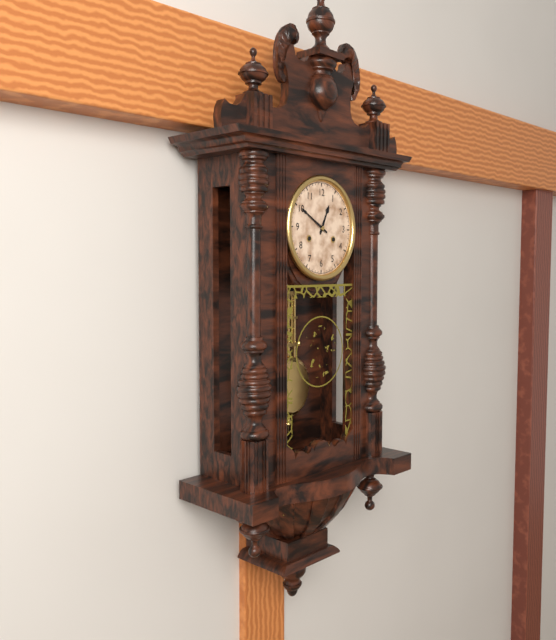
12:50
